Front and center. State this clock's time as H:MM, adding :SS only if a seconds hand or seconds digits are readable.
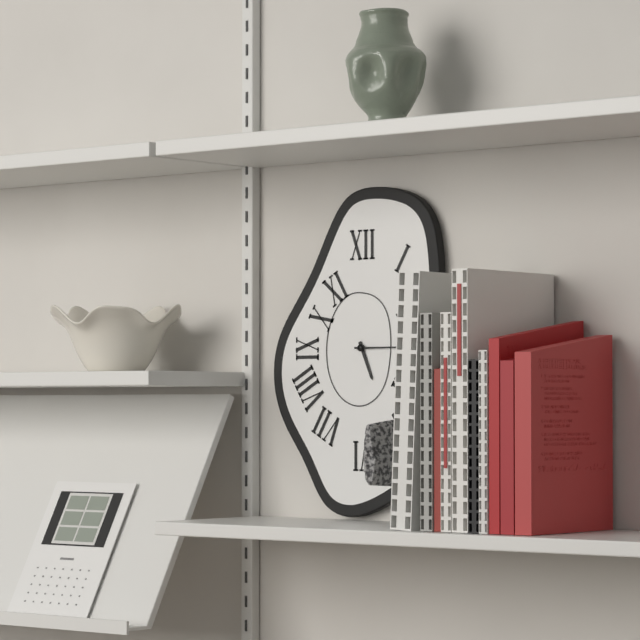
5:15
